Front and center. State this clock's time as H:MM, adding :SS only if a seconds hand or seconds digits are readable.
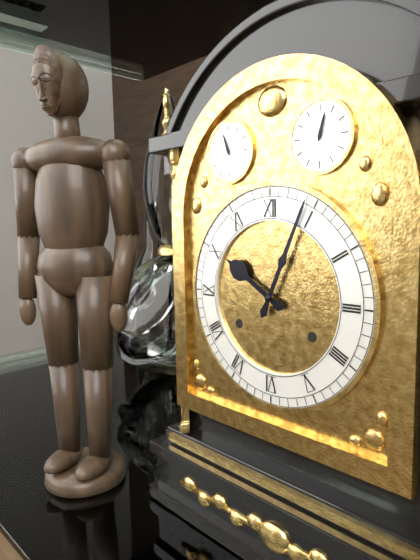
10:04
